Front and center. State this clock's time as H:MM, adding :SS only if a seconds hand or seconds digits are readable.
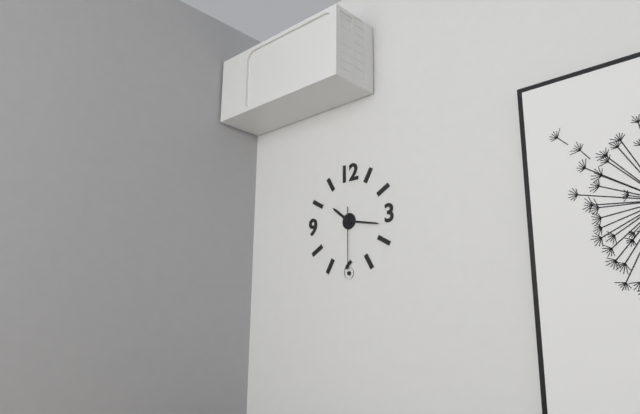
10:17:30
